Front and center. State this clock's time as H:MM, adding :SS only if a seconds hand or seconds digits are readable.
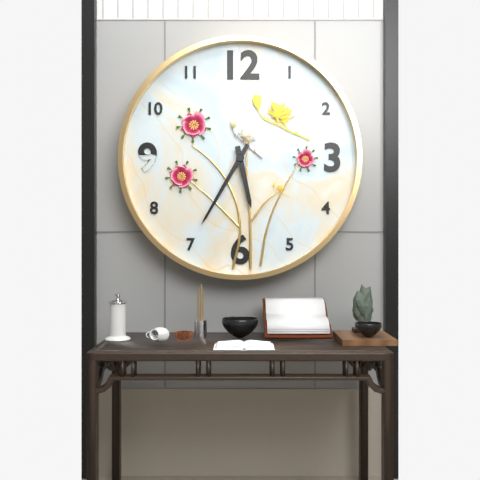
5:35
